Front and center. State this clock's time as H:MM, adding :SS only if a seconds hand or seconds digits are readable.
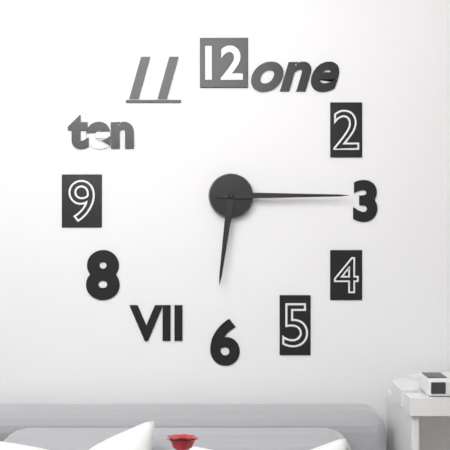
6:15
